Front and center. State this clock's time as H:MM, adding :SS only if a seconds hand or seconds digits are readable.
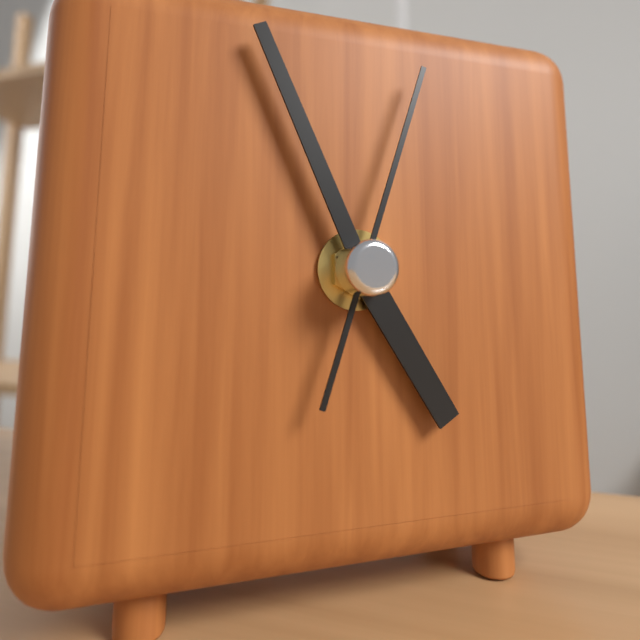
4:56:03
